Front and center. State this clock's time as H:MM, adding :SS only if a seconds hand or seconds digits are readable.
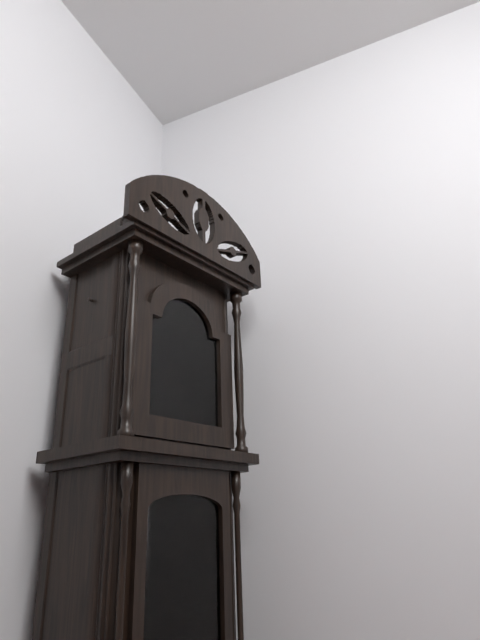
2:01
